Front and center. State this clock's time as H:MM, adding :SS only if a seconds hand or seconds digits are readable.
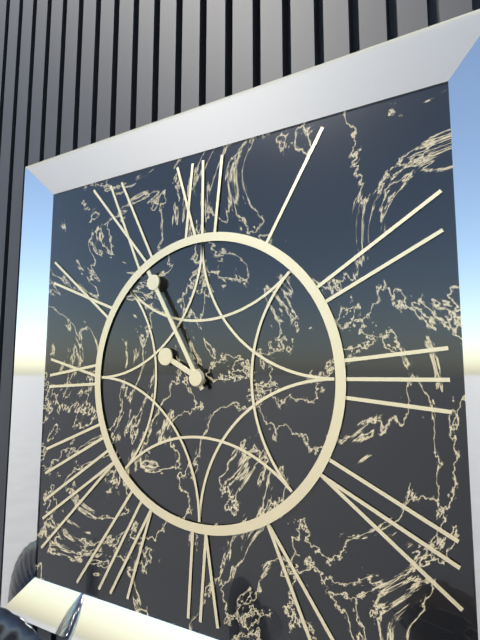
9:55
